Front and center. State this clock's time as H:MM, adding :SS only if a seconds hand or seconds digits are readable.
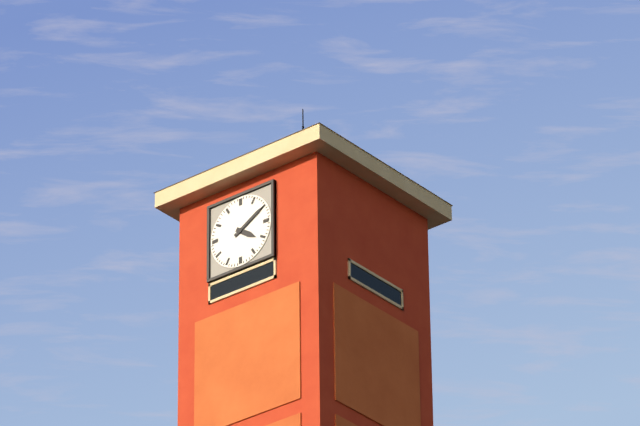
4:10
